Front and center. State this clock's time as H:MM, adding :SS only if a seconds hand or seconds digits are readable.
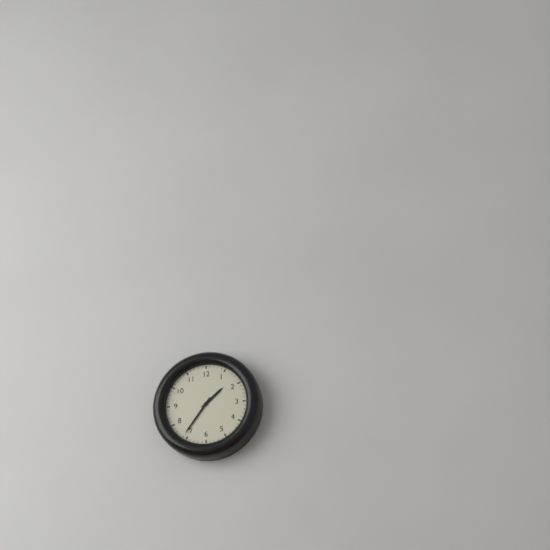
1:36
